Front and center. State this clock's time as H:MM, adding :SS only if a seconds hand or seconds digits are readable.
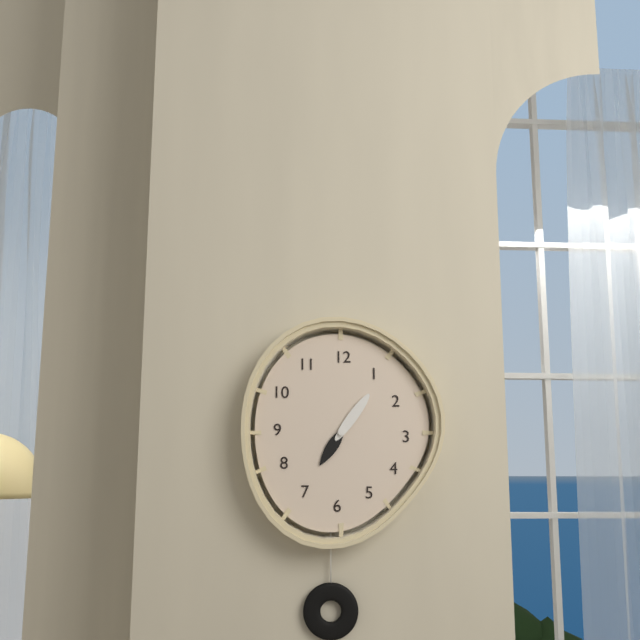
7:06
